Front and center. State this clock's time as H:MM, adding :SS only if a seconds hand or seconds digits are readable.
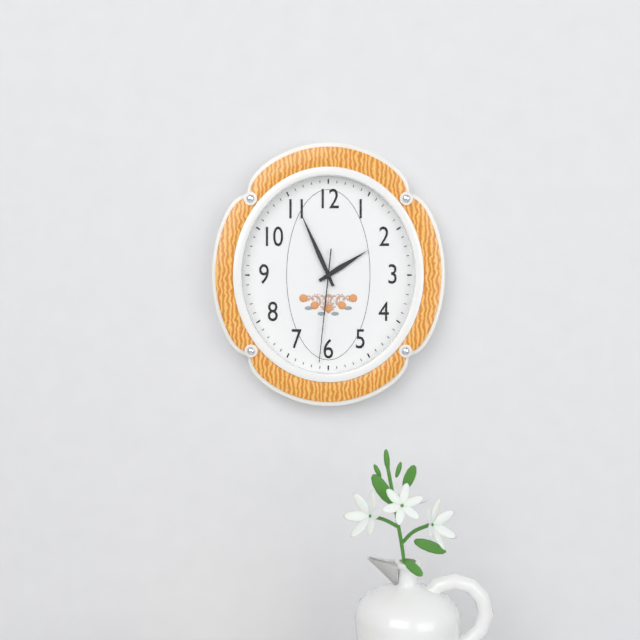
1:56:31
